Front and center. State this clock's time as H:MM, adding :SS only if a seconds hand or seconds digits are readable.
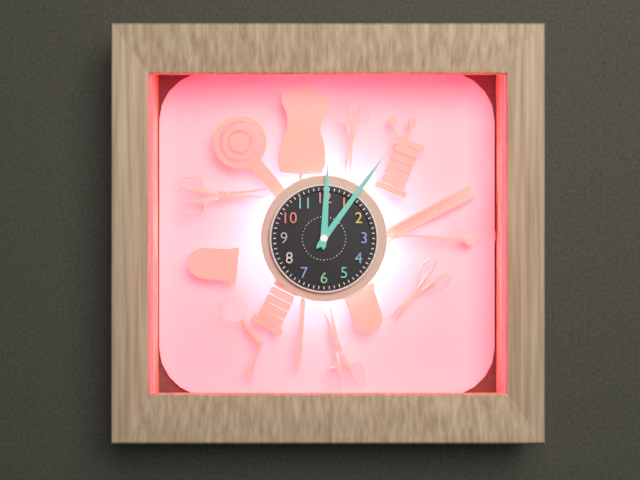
12:06
